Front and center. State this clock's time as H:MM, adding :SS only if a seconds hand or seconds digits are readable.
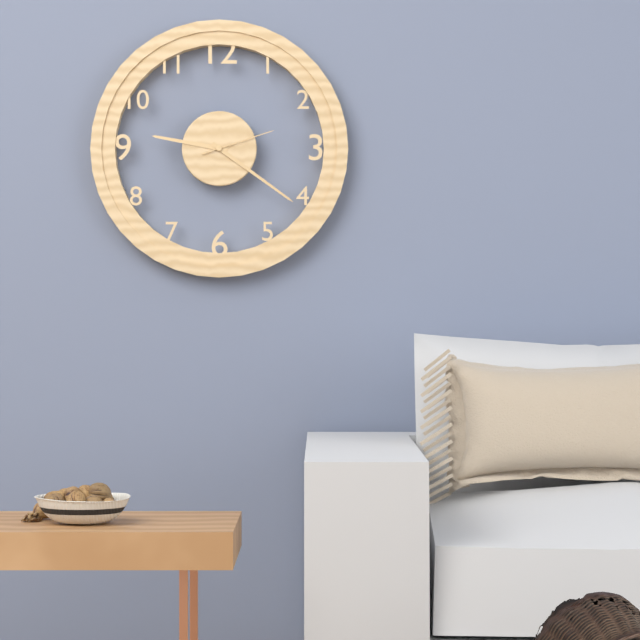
9:21:12
